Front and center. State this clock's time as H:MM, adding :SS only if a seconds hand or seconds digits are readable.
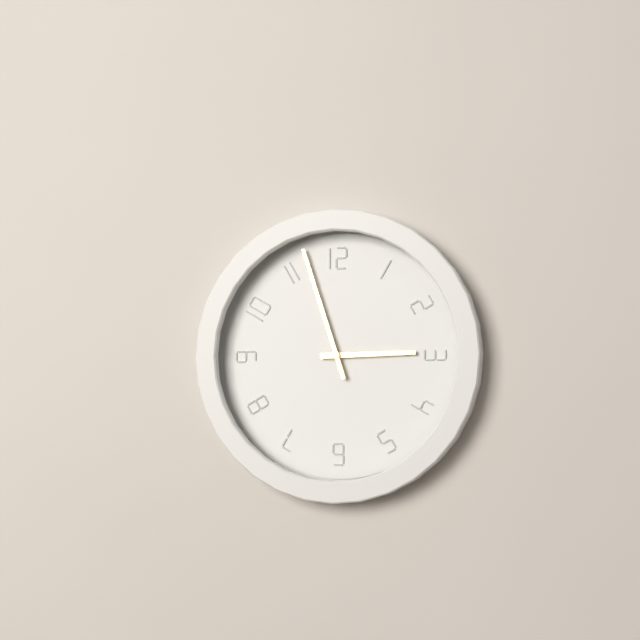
2:57
